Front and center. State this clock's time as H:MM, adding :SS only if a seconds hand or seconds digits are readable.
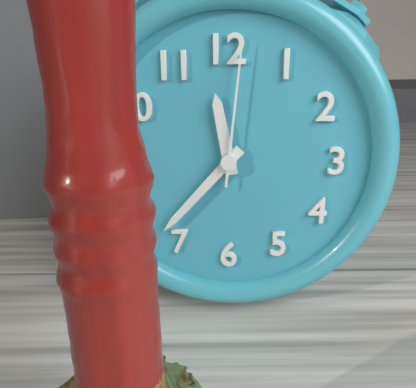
11:37:01
